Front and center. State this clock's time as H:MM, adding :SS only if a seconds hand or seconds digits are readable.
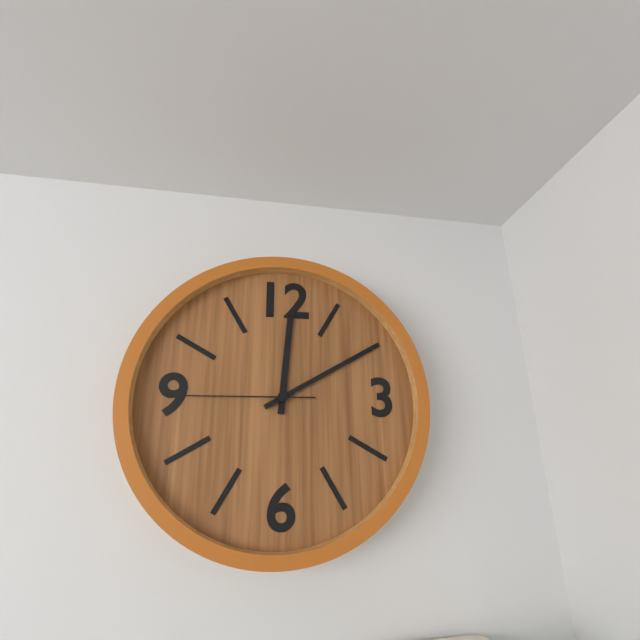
12:10:45
